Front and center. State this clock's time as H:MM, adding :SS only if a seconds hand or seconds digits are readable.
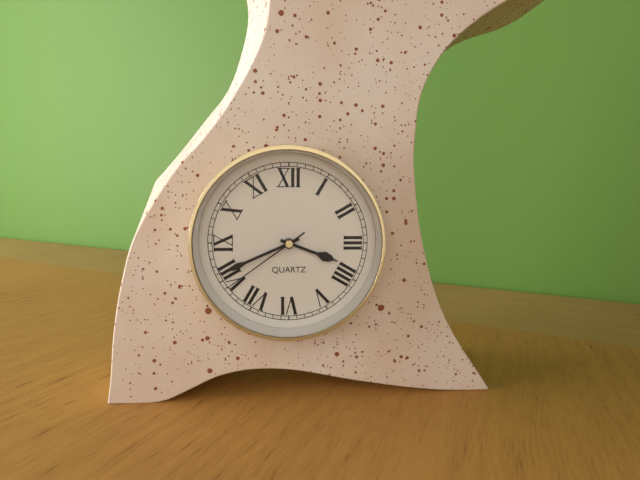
3:41:39
